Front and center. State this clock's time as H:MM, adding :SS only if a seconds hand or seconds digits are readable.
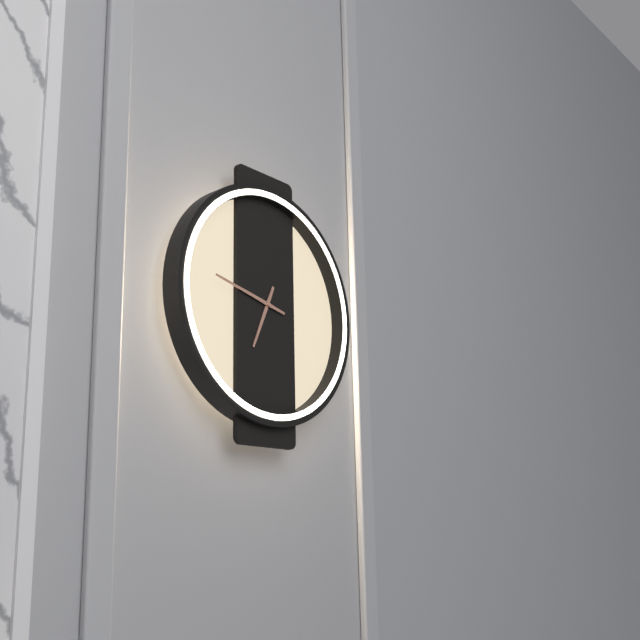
6:47
